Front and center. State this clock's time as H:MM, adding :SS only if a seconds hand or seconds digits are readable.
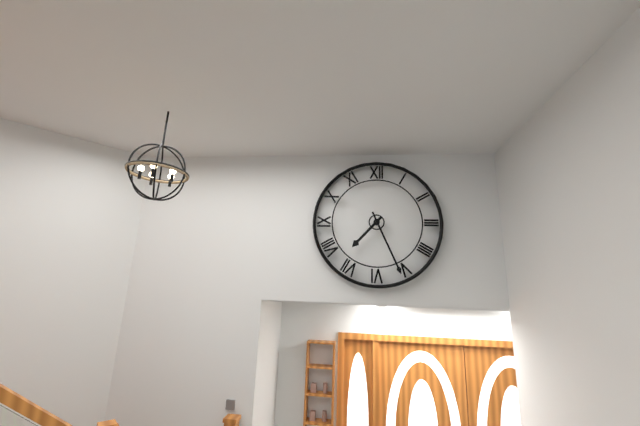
7:26
